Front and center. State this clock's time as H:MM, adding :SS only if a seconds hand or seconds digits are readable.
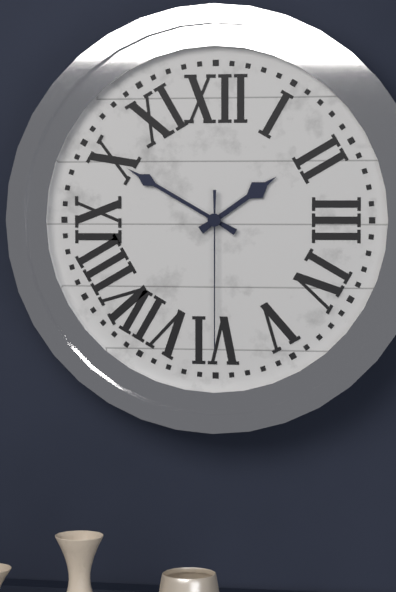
1:50:30
